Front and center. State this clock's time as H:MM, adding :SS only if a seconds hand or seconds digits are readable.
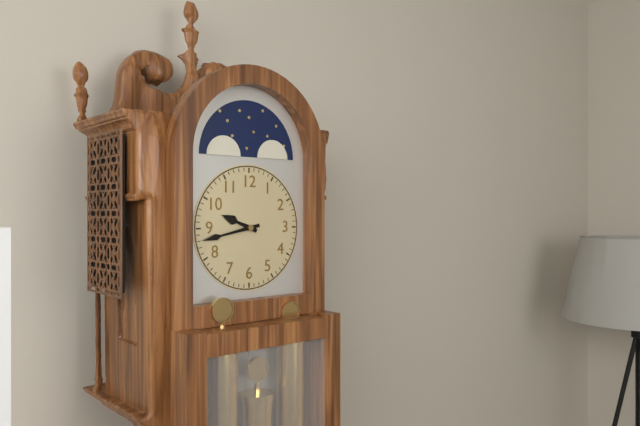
9:43
